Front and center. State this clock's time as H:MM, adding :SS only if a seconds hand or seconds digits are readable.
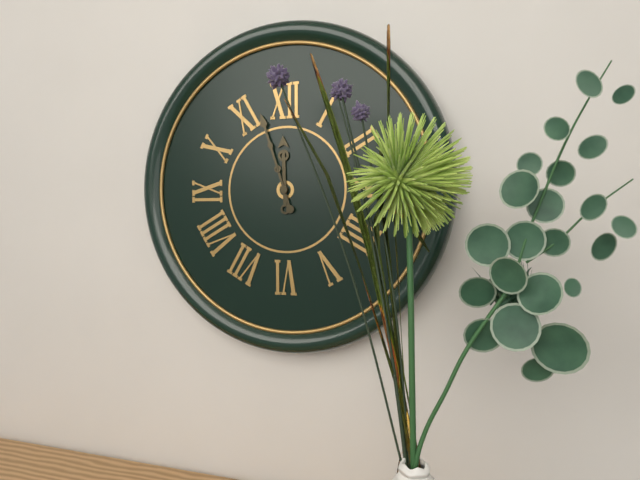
11:57
